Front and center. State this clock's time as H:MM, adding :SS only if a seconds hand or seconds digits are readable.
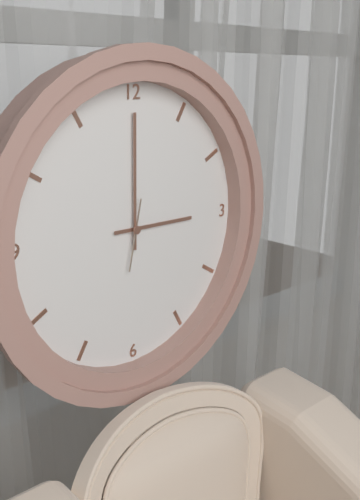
3:00:32
